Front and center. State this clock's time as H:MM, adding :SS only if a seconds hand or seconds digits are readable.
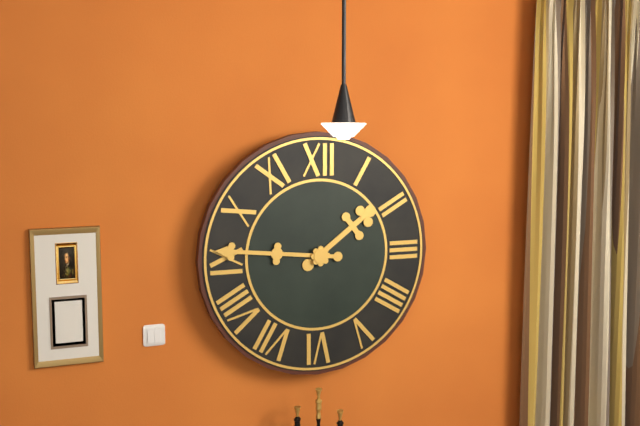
1:46
